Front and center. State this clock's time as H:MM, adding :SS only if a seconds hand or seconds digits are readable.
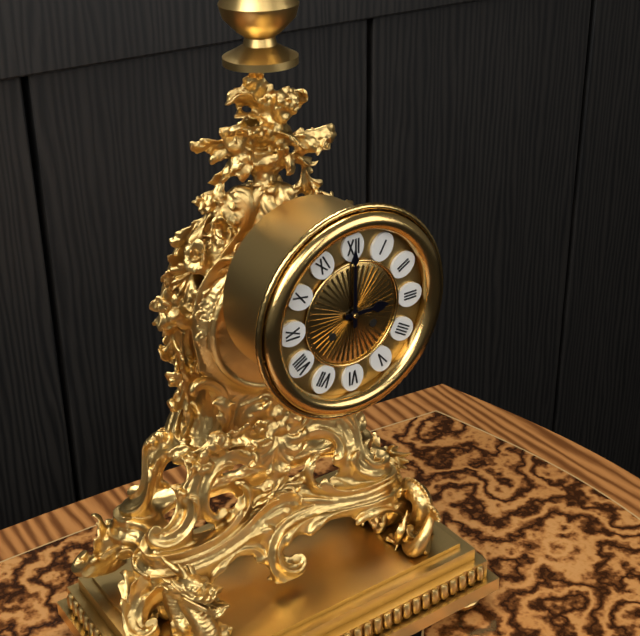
3:00
